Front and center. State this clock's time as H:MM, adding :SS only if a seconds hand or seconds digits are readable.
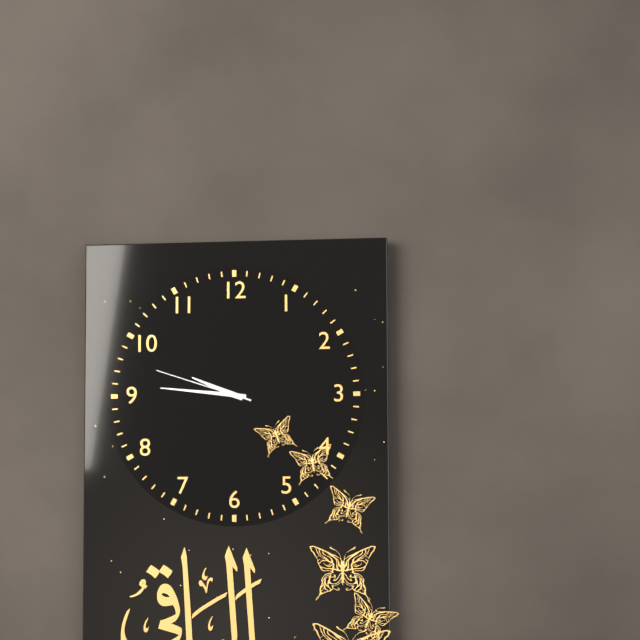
9:46:48
